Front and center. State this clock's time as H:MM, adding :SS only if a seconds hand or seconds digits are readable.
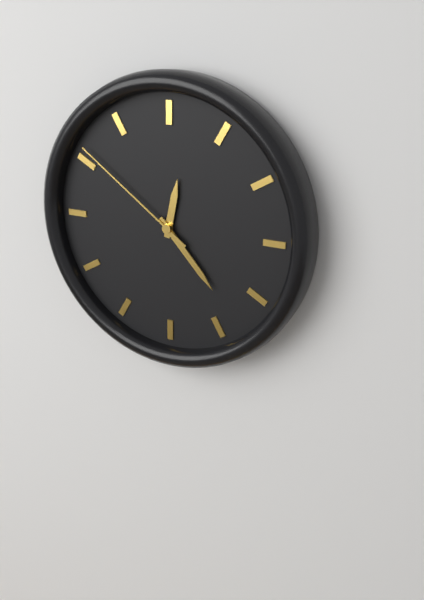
12:23:51
